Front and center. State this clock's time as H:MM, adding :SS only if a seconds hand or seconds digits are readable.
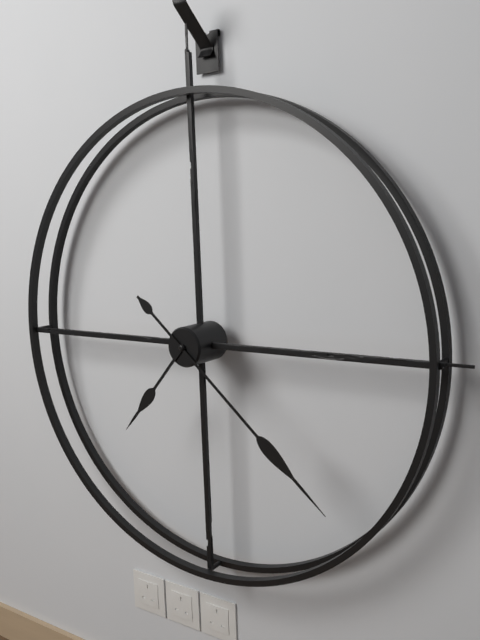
7:22
